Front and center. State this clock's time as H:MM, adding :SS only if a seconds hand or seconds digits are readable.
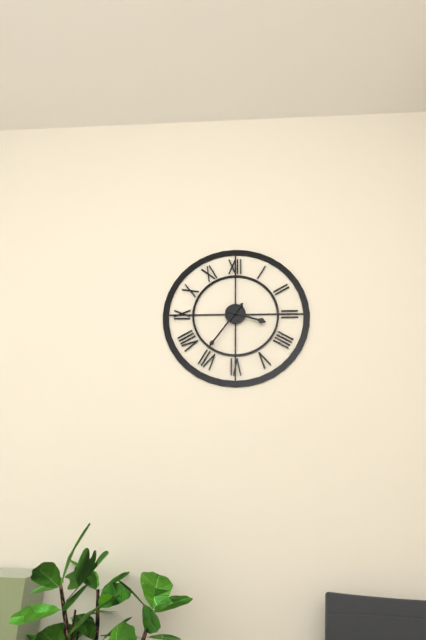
3:36
